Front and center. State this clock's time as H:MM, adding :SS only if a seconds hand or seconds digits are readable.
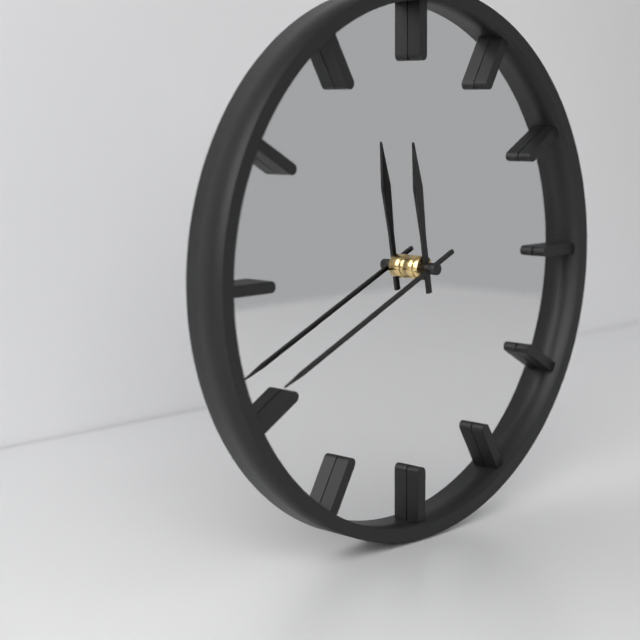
11:41
